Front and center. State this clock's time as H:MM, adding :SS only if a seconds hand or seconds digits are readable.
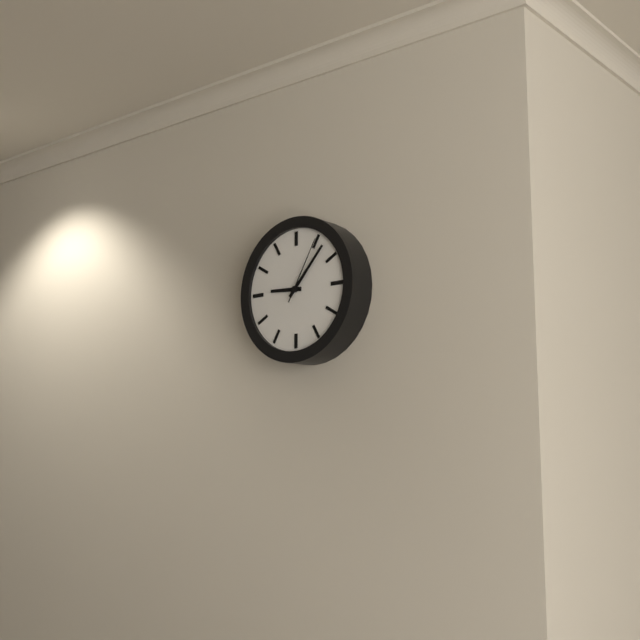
9:07:05
